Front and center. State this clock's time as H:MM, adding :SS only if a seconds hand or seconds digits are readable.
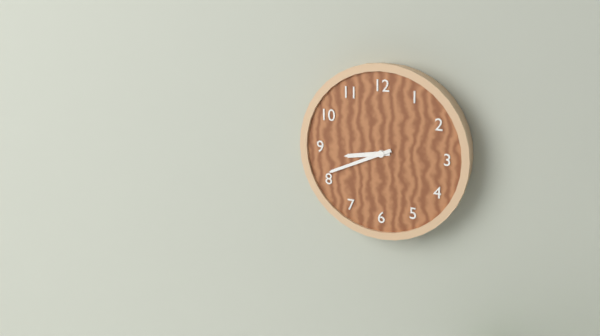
8:41
